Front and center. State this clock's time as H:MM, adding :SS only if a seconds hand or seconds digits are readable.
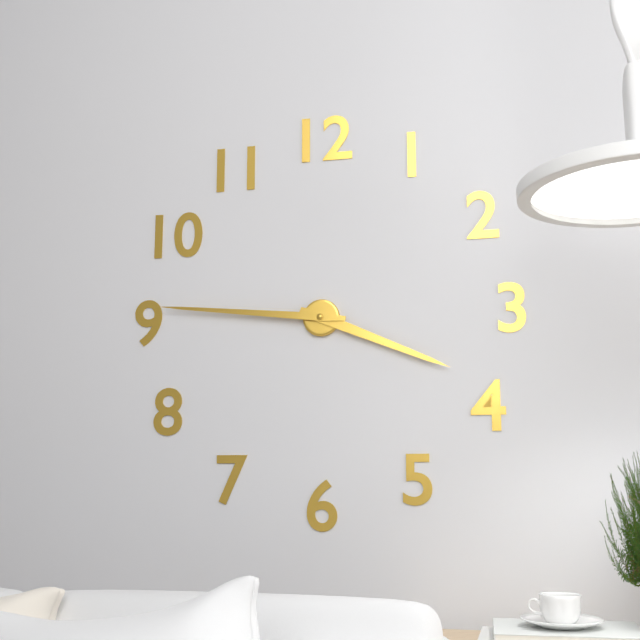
3:46
